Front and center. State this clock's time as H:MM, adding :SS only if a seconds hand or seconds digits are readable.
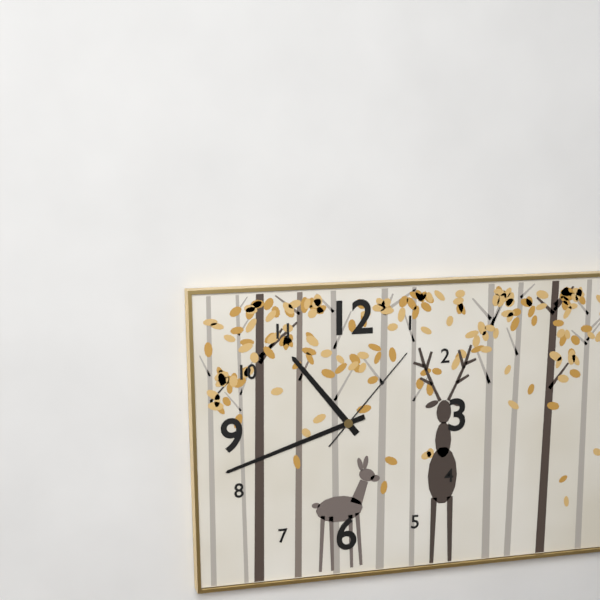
10:42:07
